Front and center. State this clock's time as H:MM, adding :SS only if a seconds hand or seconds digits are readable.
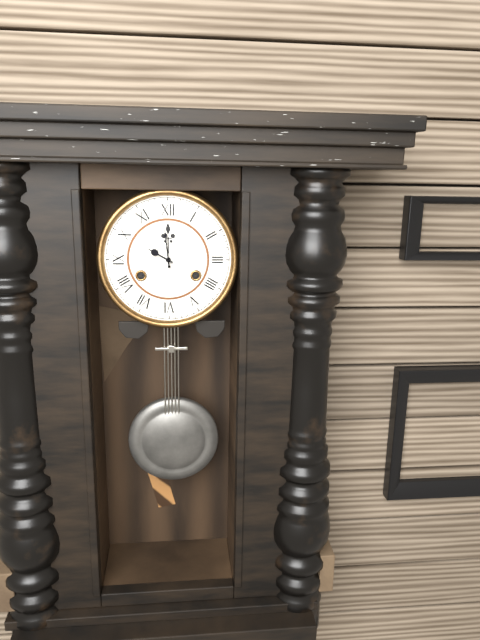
9:59
